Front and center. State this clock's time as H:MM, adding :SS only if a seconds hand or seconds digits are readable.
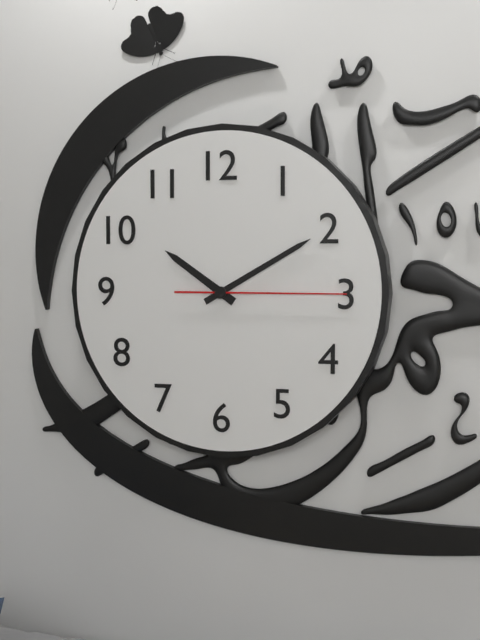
10:10:15
